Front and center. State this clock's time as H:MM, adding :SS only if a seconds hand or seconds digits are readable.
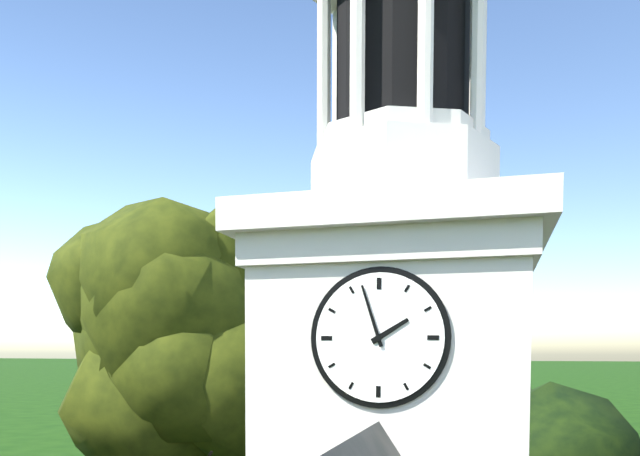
1:57
